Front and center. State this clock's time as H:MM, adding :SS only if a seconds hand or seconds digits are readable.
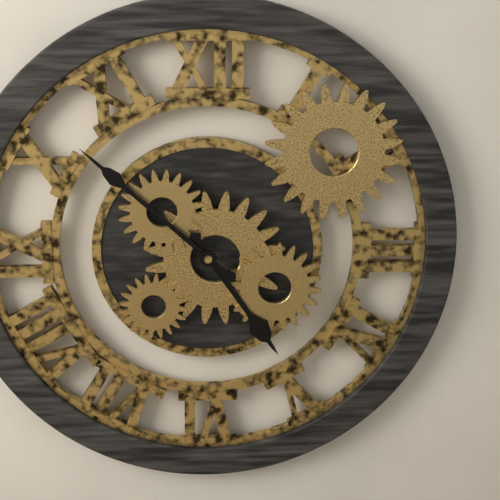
4:52
